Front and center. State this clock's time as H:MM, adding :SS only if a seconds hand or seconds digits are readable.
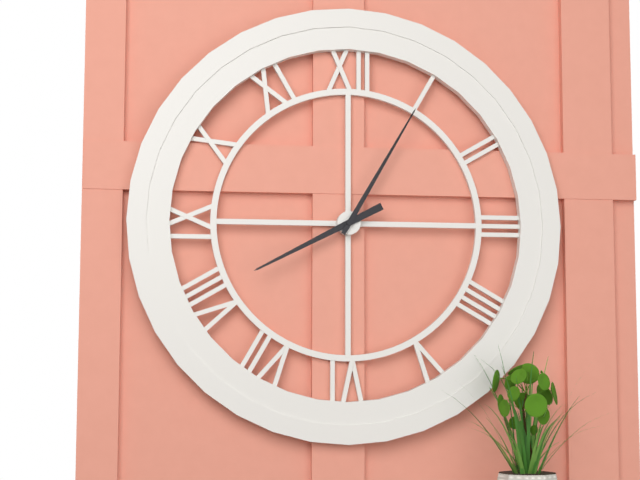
8:05
